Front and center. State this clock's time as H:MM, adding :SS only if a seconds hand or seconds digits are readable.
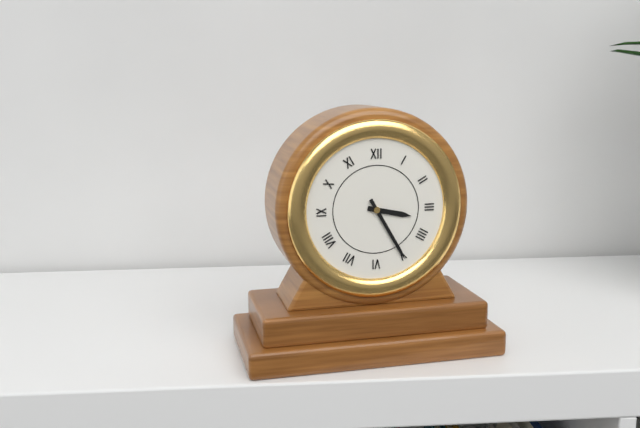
3:25
